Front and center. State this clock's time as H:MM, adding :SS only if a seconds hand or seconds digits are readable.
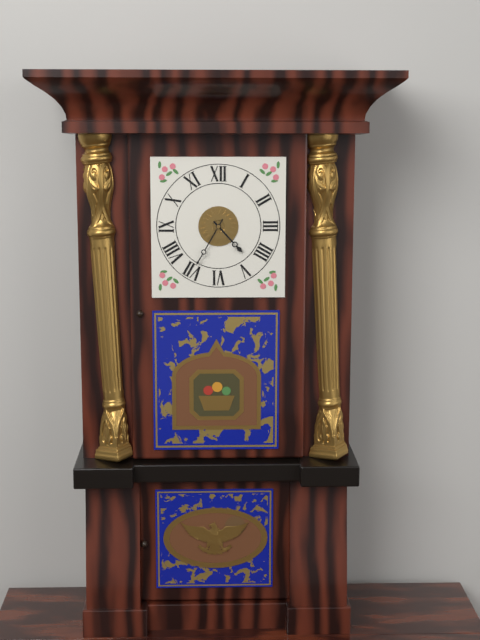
4:35
